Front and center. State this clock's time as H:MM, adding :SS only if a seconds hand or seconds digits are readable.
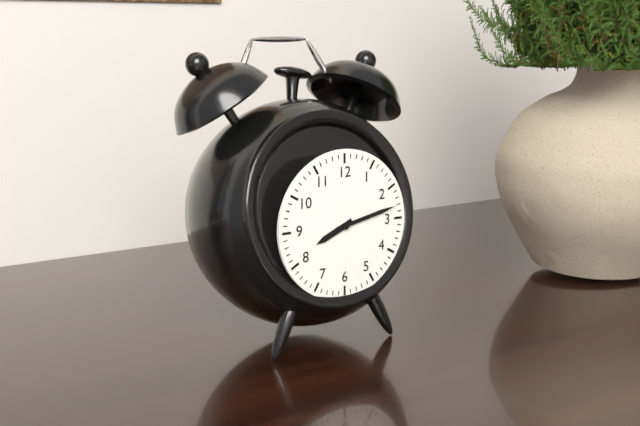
8:13
